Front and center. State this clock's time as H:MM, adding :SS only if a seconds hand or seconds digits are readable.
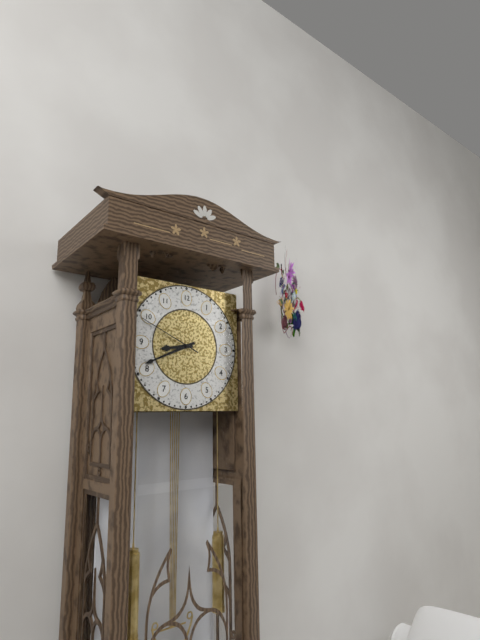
8:41:49
